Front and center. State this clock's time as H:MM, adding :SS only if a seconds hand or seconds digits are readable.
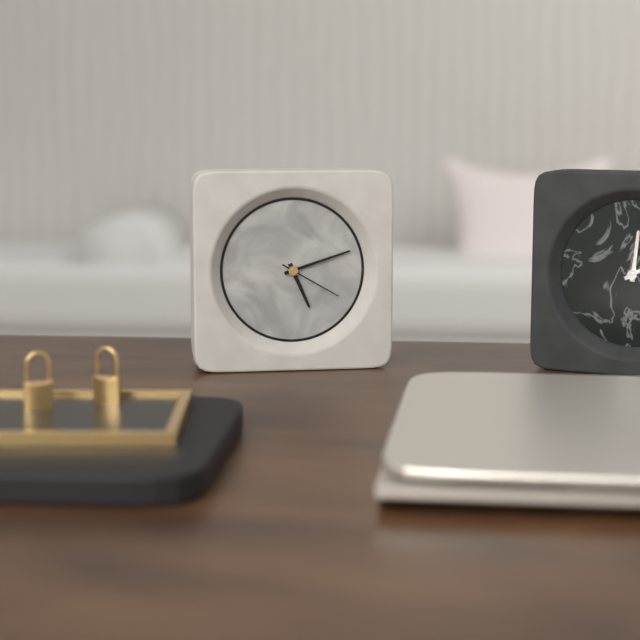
5:12:20
